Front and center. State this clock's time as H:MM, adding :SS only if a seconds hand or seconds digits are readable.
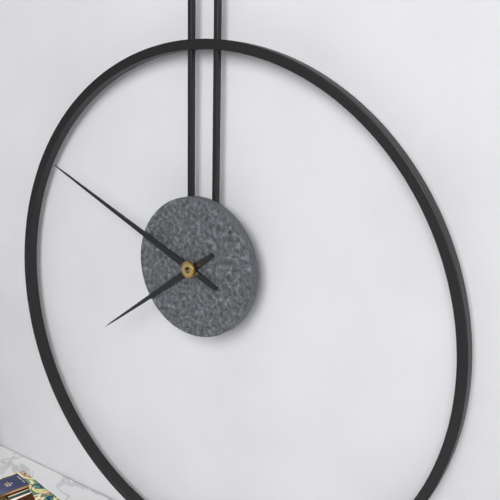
7:49
